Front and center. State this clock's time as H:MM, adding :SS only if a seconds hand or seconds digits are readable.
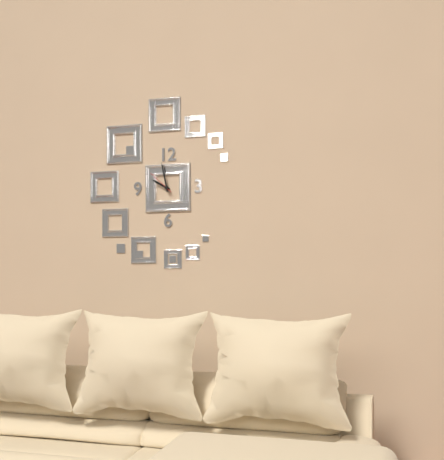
9:58
